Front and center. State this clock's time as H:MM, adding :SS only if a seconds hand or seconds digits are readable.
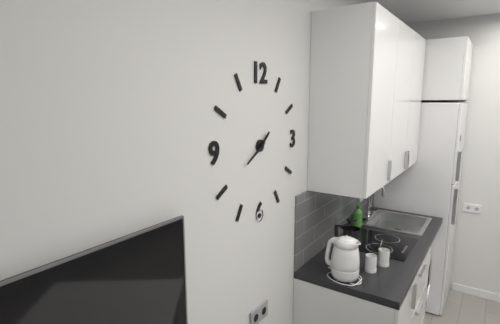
1:40
